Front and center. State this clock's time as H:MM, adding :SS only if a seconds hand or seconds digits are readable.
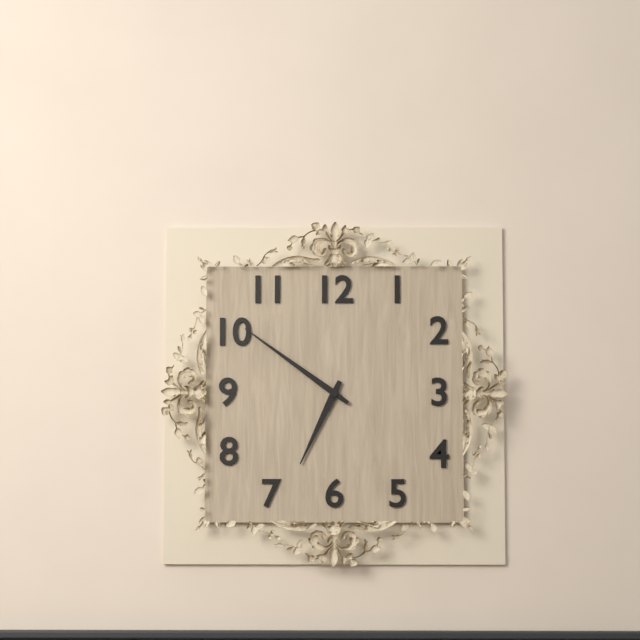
6:51
